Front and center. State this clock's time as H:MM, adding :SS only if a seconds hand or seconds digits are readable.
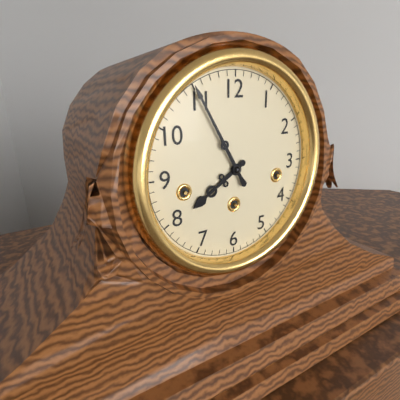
7:55
